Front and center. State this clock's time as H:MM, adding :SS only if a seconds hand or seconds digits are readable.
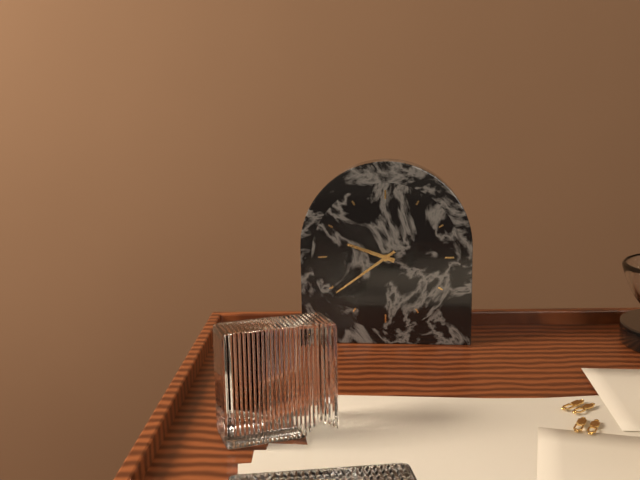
9:39
